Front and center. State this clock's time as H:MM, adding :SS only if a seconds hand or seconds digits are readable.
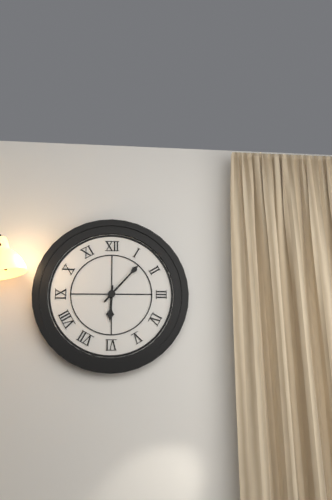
6:07
